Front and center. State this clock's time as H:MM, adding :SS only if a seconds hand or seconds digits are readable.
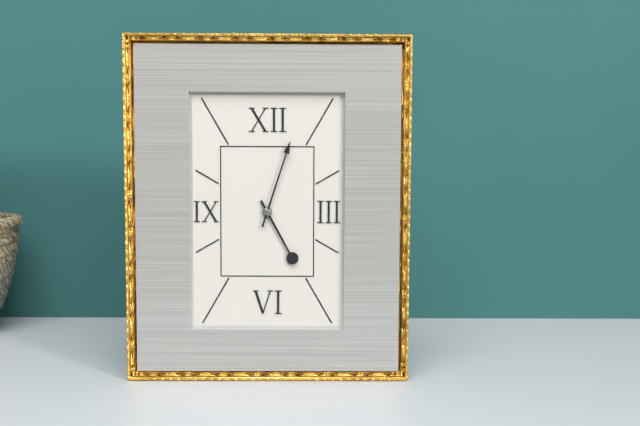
5:03
